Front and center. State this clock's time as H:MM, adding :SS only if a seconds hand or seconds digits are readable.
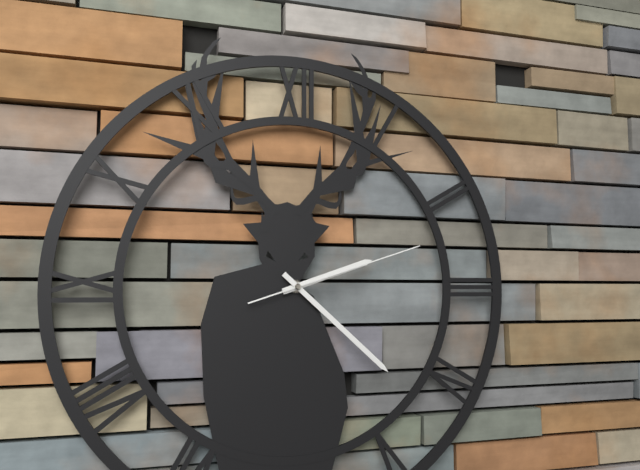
2:22:12
